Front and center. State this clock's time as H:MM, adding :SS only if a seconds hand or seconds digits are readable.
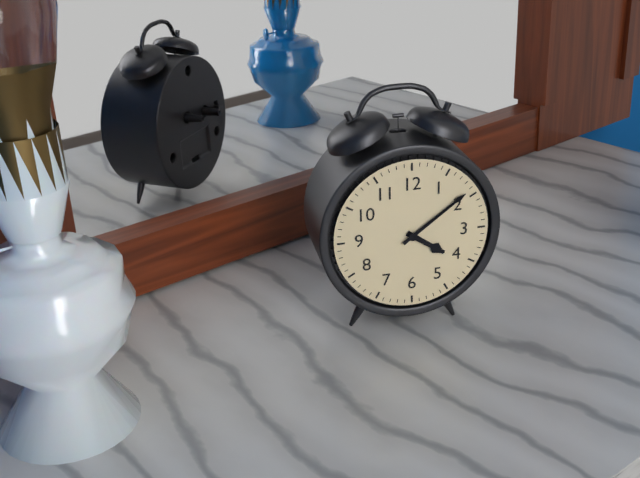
4:09
